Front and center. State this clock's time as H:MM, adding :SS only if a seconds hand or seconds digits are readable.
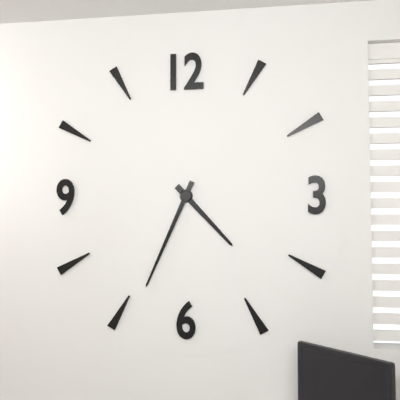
4:34
